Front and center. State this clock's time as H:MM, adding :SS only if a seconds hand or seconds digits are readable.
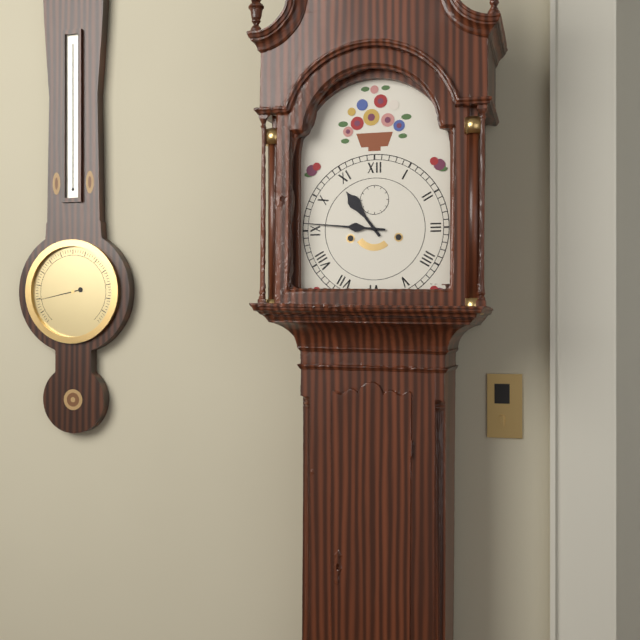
10:46
